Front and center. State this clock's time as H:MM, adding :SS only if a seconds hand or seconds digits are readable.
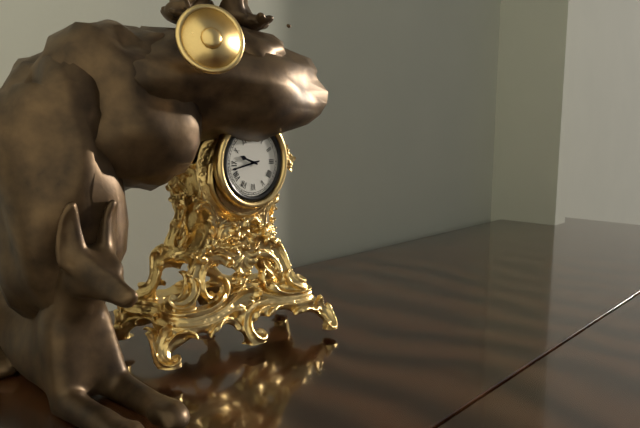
9:43
